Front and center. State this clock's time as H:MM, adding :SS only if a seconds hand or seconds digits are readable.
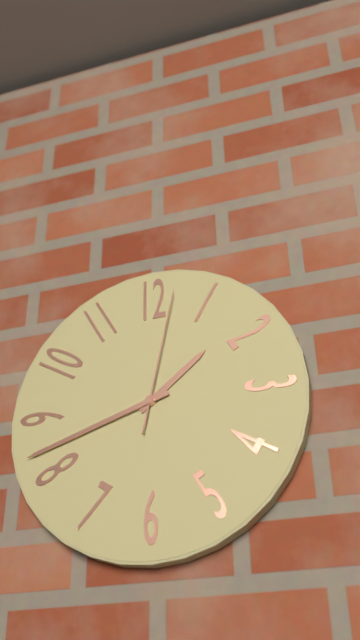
1:42:02
